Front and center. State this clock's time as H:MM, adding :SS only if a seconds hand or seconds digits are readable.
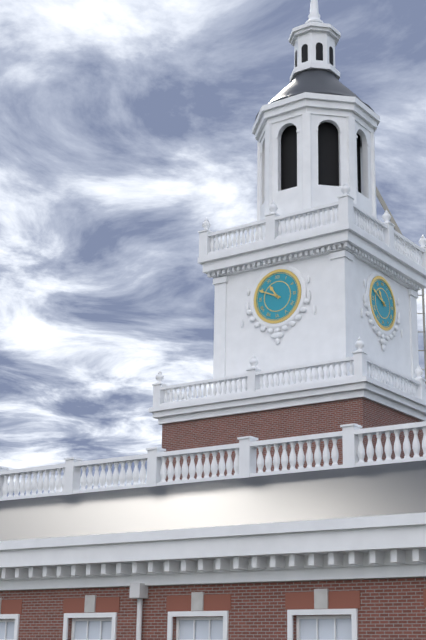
10:49
